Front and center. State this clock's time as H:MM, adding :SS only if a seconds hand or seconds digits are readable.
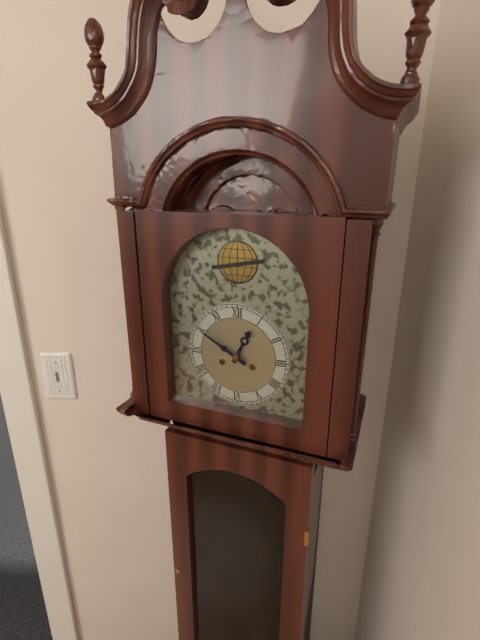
12:50
